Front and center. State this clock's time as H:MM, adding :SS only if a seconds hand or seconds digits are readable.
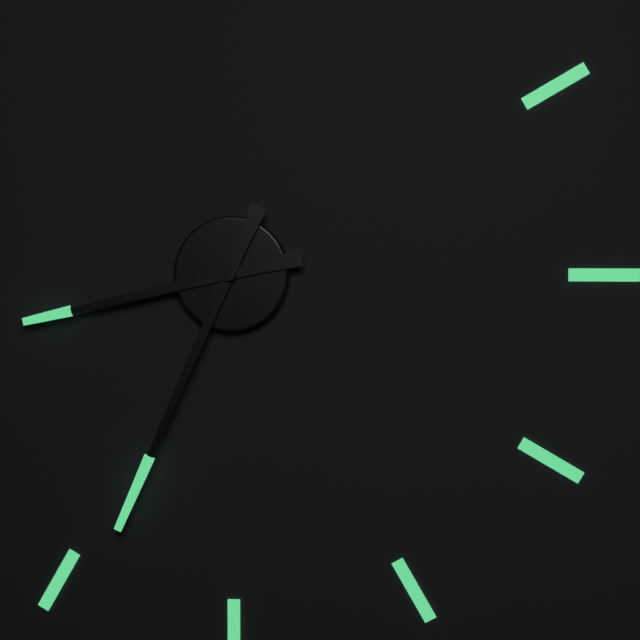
8:34
